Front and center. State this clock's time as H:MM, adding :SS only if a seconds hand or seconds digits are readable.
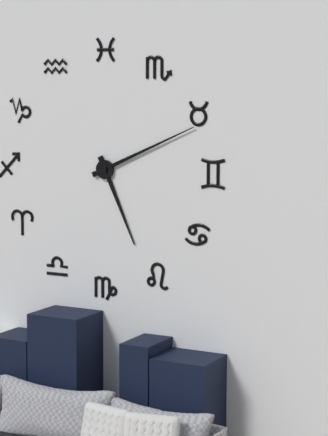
5:11
